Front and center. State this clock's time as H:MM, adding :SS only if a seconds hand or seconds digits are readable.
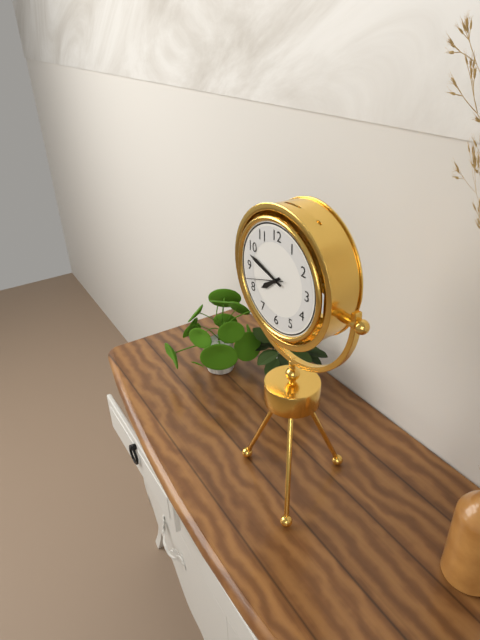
7:48
